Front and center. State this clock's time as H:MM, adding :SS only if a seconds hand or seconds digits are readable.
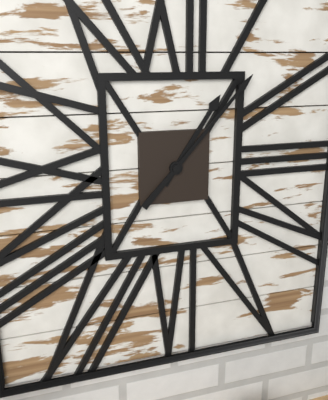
1:07
